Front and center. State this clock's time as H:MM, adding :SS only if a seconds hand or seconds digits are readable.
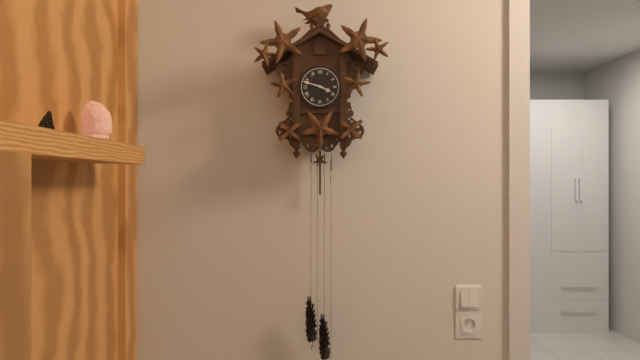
3:48
